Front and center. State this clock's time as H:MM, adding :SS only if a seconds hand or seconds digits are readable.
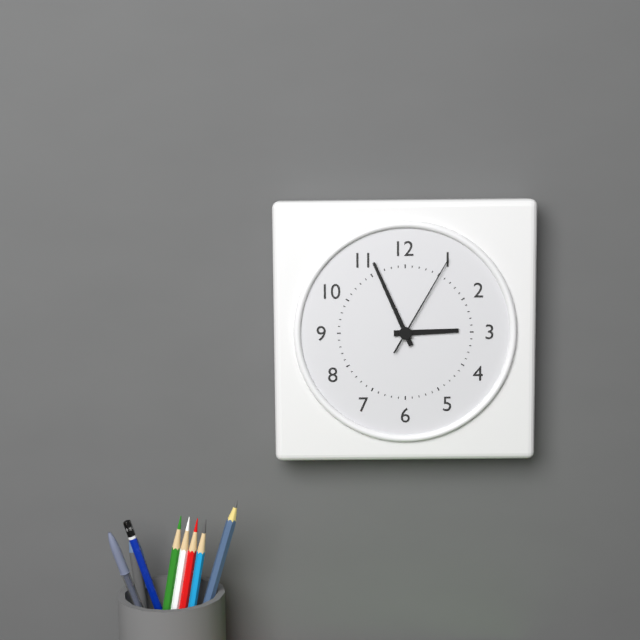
2:56:05
